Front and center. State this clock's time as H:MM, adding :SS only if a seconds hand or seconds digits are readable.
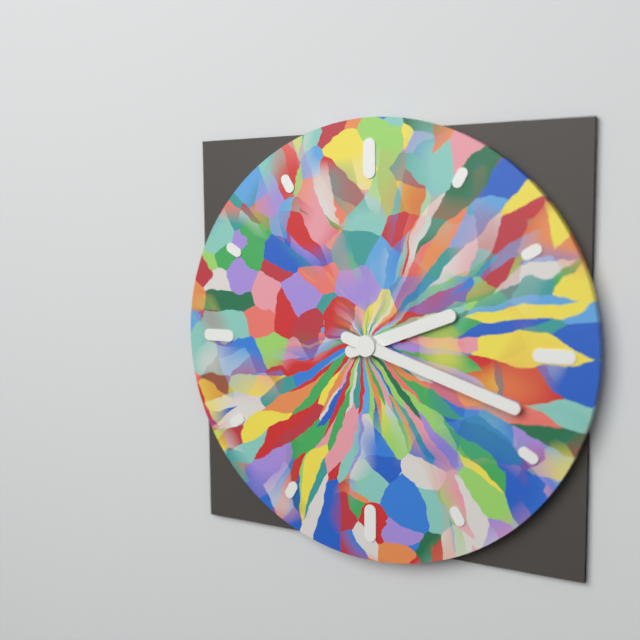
2:18
